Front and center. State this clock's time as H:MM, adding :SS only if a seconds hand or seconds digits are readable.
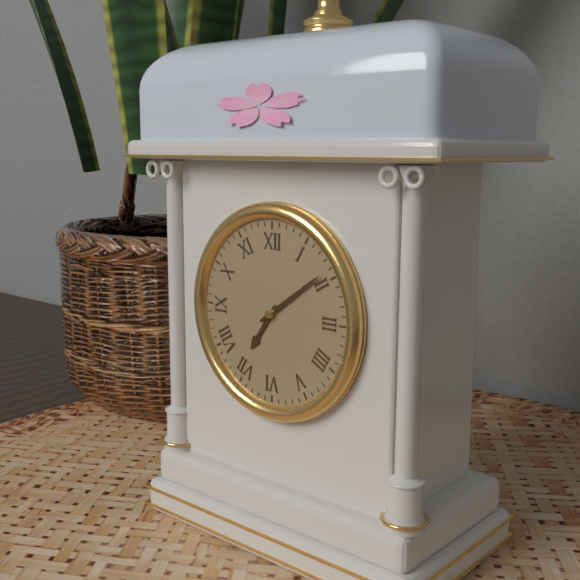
7:09
